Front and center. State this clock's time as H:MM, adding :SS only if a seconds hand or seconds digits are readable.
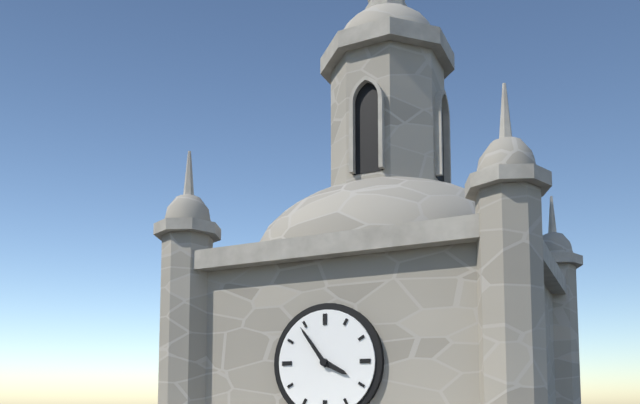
3:54
